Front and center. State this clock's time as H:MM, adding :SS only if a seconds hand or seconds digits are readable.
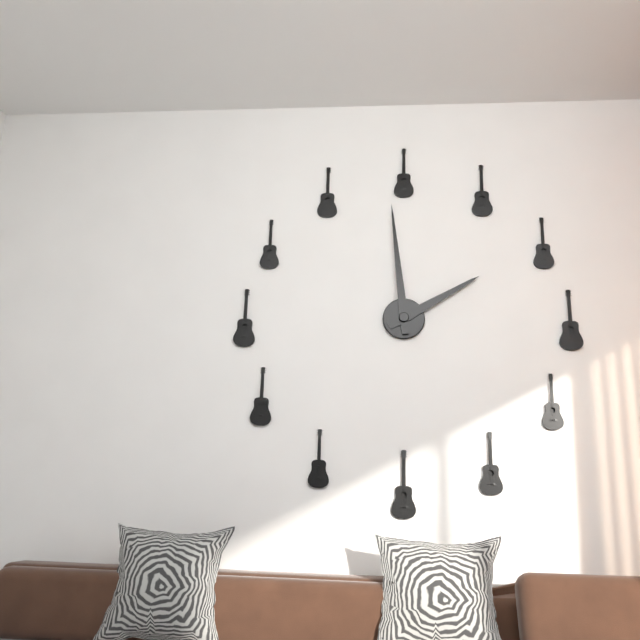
1:59
